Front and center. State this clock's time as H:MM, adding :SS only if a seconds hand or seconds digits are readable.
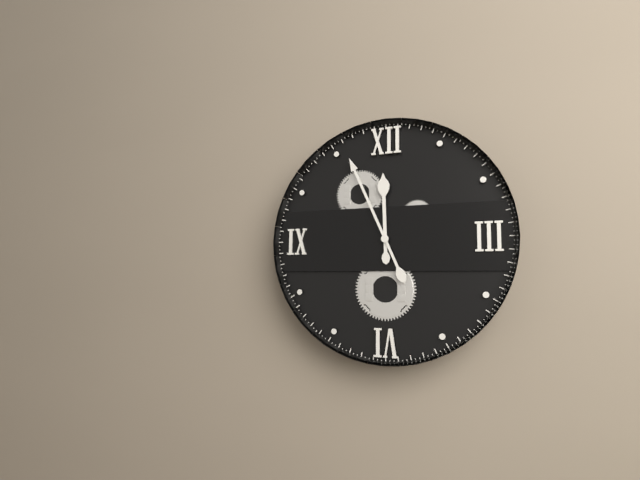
11:56
